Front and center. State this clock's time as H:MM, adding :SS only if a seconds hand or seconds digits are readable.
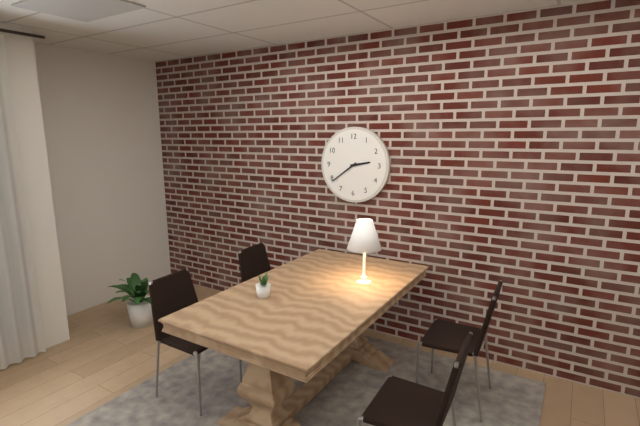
2:39
